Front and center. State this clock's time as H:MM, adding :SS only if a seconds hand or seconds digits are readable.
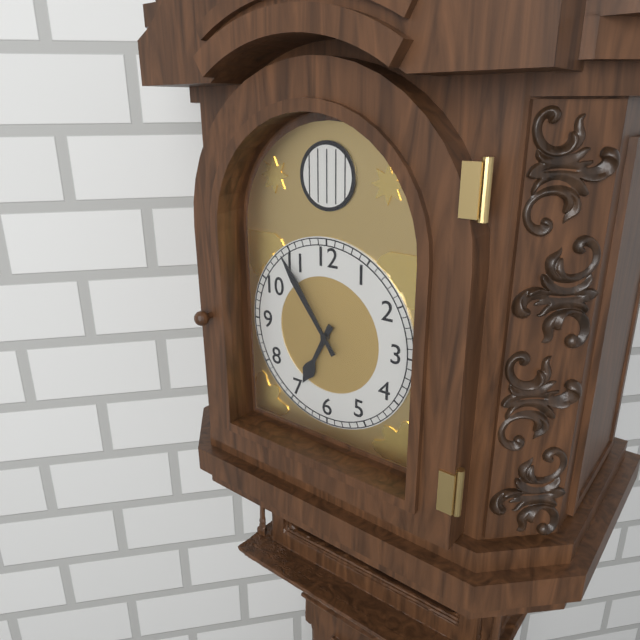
6:54
